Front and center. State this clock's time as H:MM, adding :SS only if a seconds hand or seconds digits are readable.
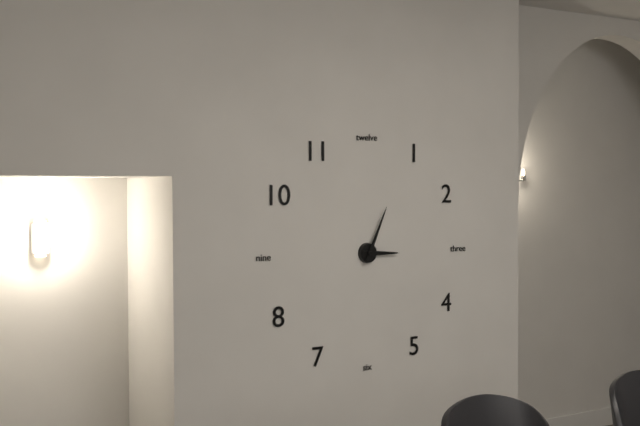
3:04
